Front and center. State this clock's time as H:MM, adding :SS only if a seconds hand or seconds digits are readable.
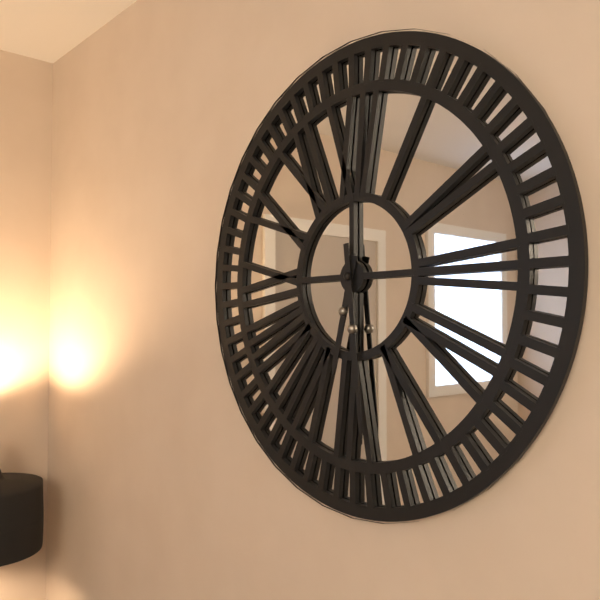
6:29
